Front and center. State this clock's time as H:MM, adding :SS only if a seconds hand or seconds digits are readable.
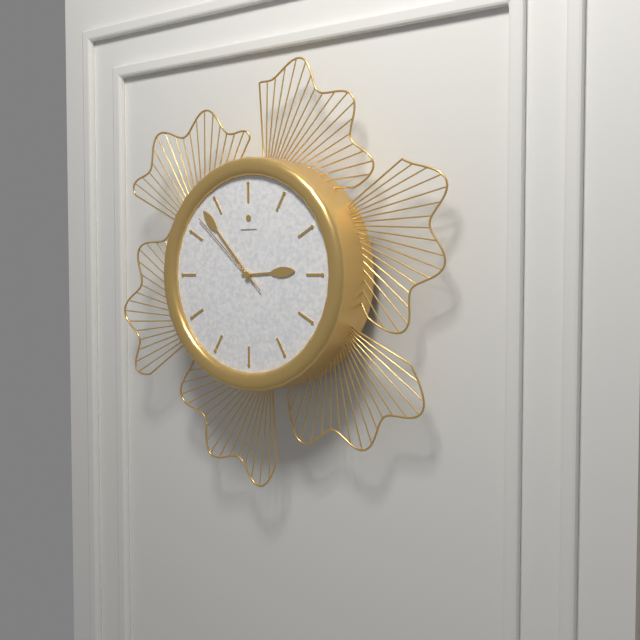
2:53:52
